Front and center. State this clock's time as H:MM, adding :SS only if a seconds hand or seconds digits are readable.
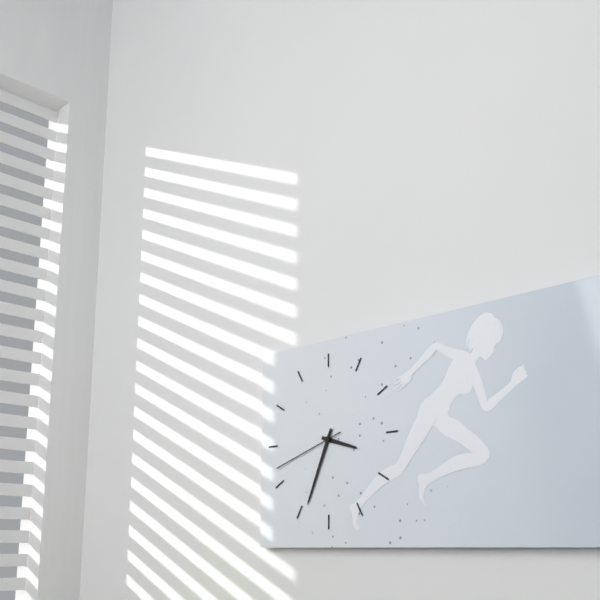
3:34:42
